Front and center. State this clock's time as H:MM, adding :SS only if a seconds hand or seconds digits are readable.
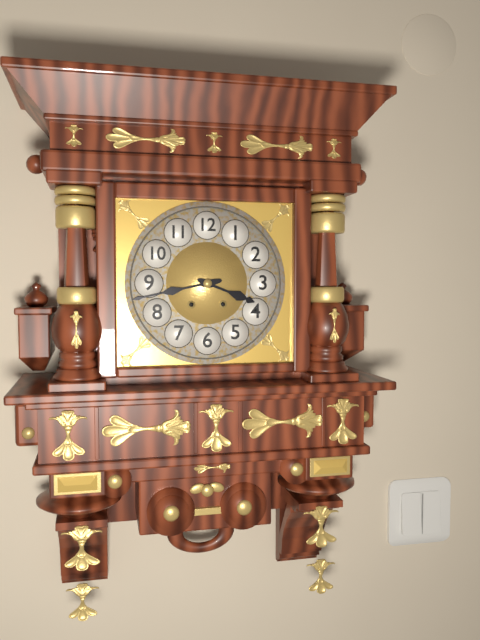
3:43
